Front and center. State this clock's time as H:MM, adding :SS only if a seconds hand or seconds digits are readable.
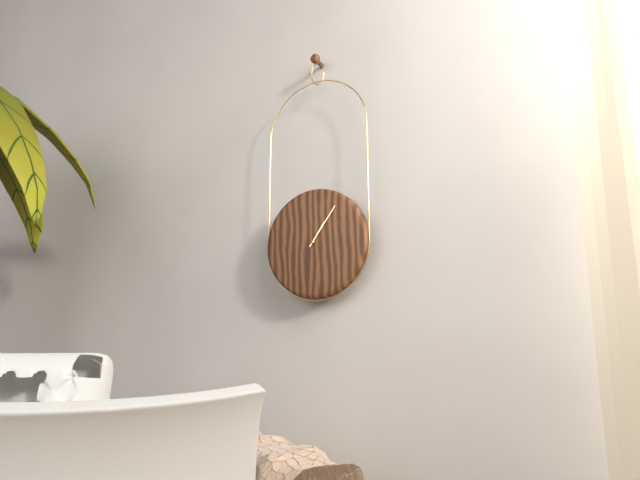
1:06
